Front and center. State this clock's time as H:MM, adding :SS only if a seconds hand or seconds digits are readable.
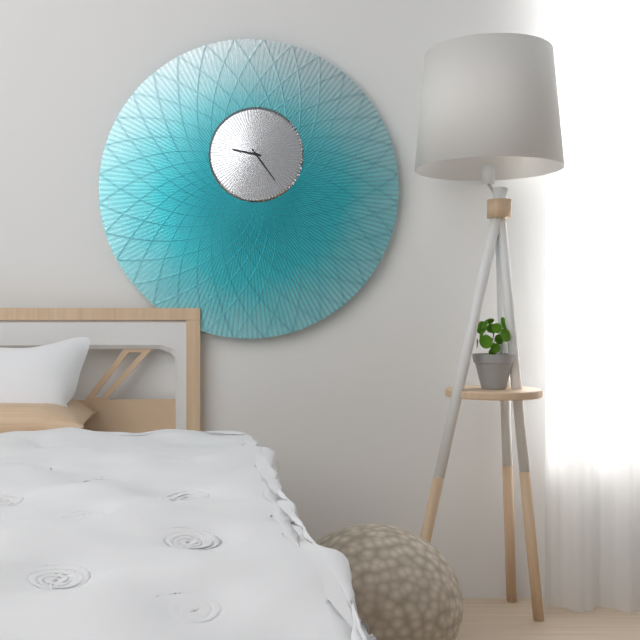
9:24
